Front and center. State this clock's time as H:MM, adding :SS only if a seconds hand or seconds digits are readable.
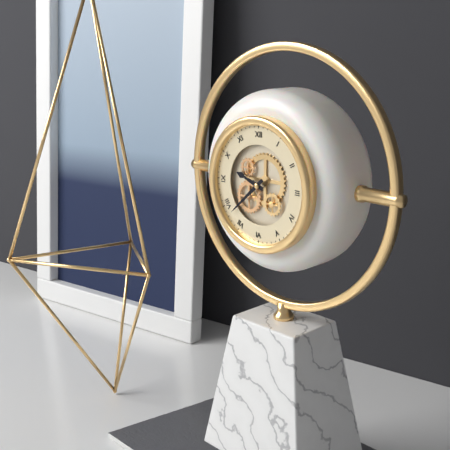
9:38
